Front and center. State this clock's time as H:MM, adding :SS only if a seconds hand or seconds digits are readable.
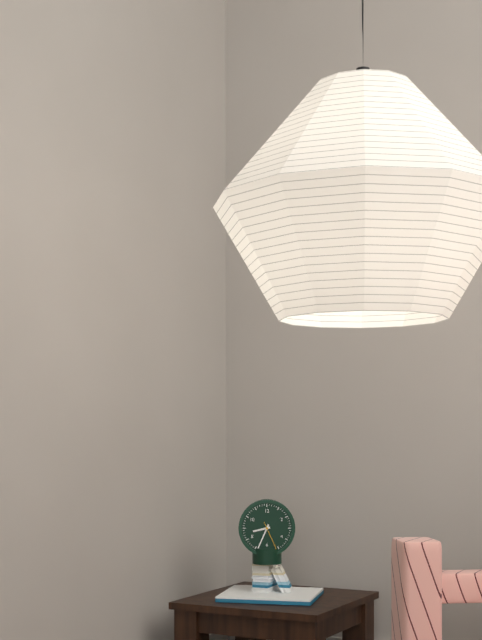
8:34
